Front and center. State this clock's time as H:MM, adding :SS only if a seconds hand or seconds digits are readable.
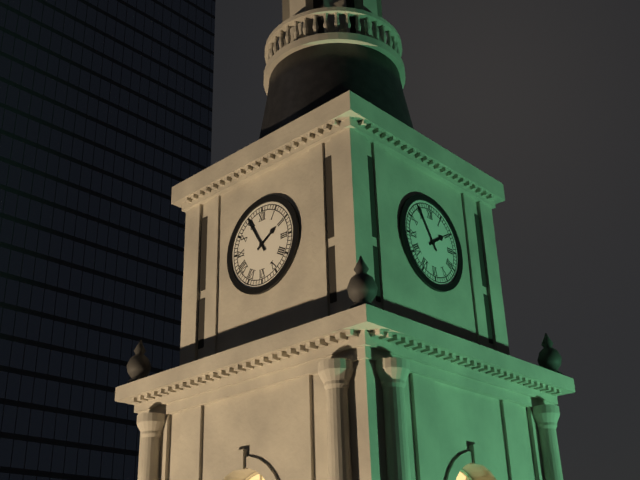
1:55
